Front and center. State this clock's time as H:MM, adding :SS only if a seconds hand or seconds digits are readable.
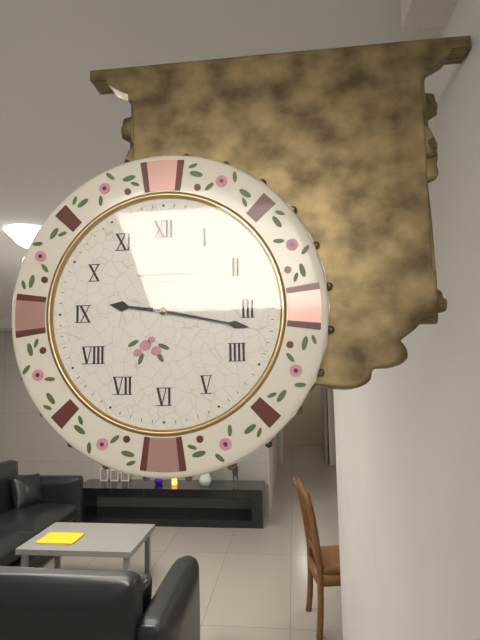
9:17
